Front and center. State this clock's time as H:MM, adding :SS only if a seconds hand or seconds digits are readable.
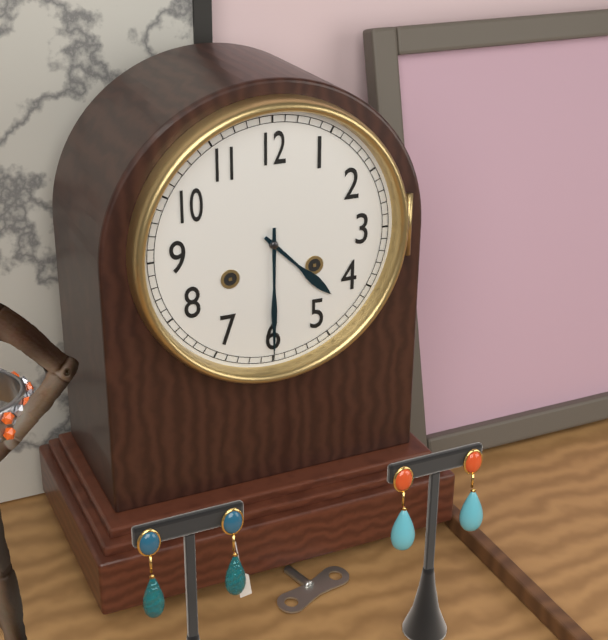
4:30
